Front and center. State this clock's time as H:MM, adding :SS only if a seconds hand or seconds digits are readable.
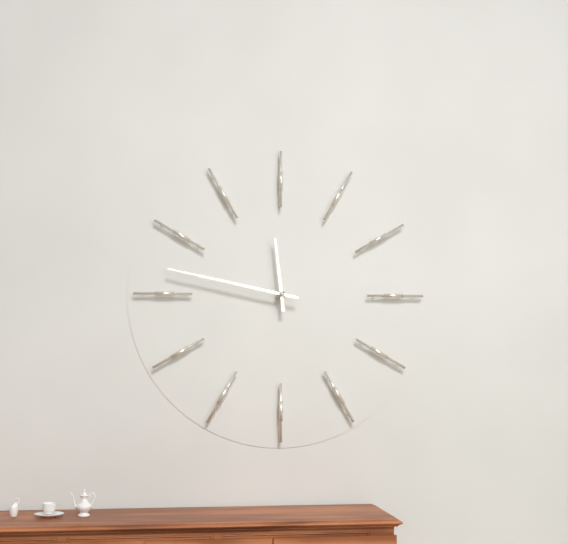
11:47
